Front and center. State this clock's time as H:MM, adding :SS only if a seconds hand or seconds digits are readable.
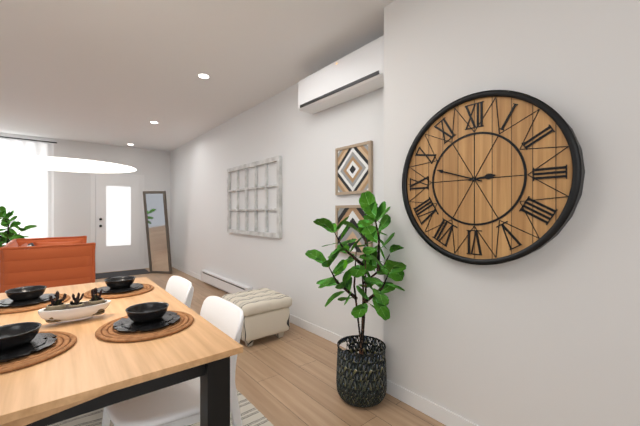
2:48
